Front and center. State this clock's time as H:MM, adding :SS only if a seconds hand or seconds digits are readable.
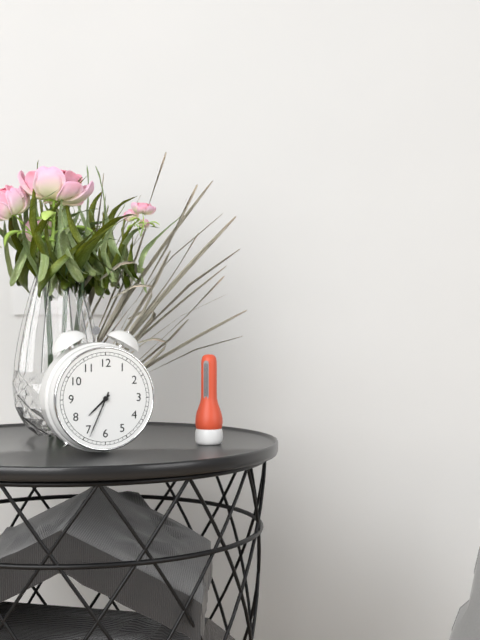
7:34
